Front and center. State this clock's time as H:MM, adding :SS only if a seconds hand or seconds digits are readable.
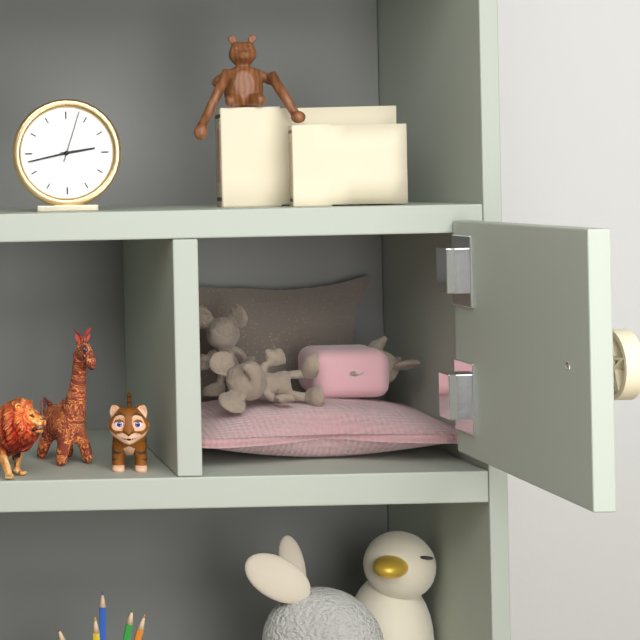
2:43:03
